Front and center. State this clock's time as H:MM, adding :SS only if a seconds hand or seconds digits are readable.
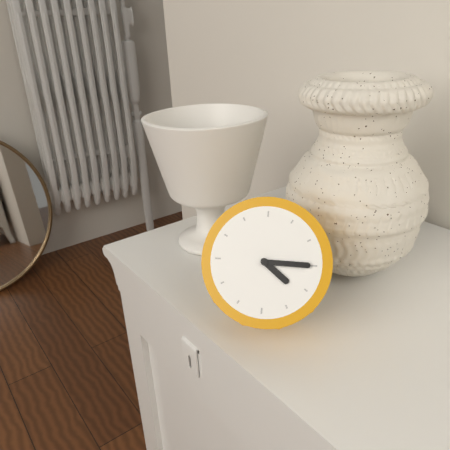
4:15
